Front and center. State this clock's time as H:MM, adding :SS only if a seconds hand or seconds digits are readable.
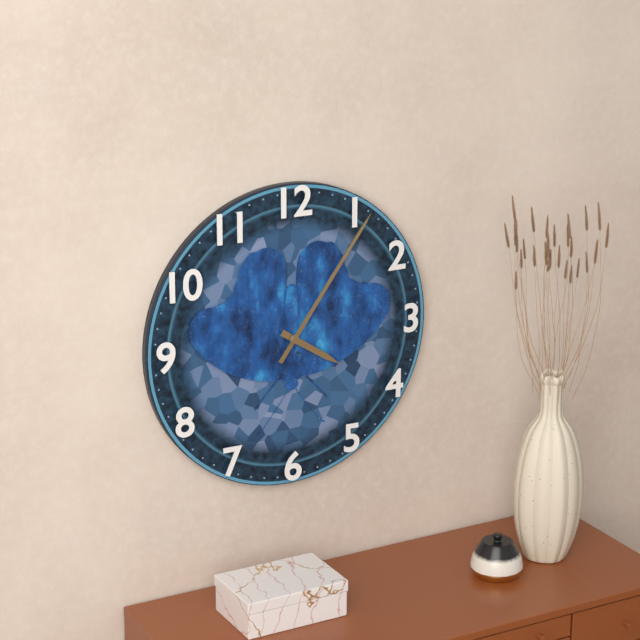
4:06
